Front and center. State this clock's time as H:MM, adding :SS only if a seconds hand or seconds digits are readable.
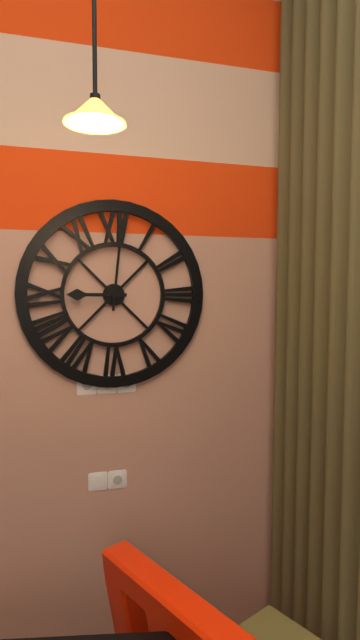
9:01
